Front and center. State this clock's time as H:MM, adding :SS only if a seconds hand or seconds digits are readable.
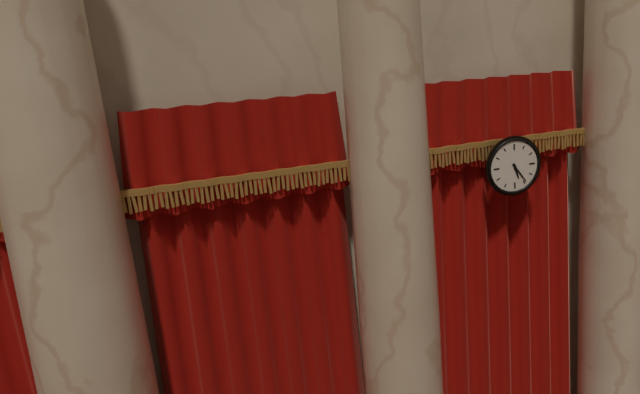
5:24
